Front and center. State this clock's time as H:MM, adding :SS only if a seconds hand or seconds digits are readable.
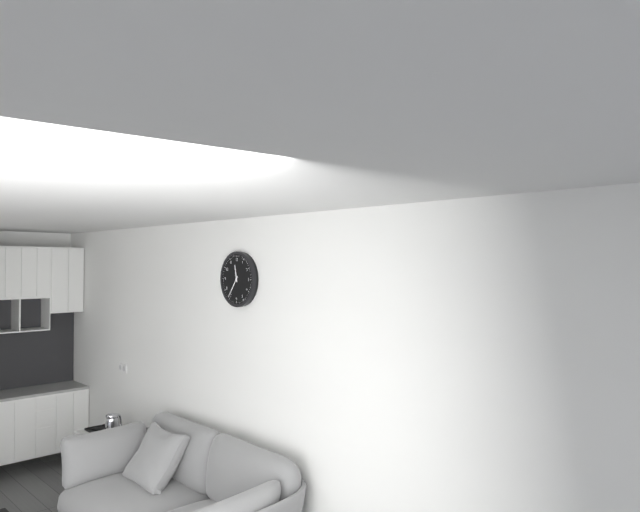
11:36
